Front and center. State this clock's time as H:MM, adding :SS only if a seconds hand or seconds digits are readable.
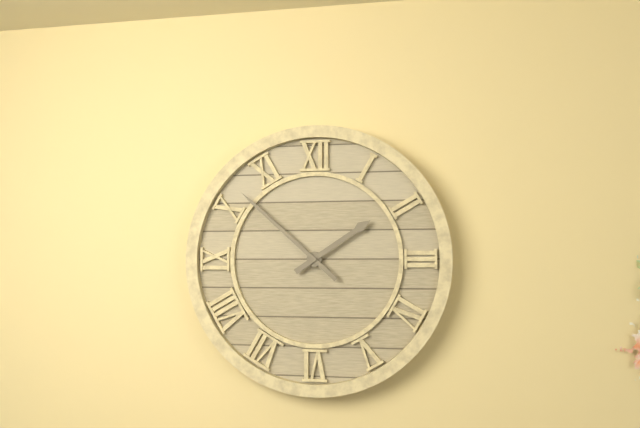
1:52
